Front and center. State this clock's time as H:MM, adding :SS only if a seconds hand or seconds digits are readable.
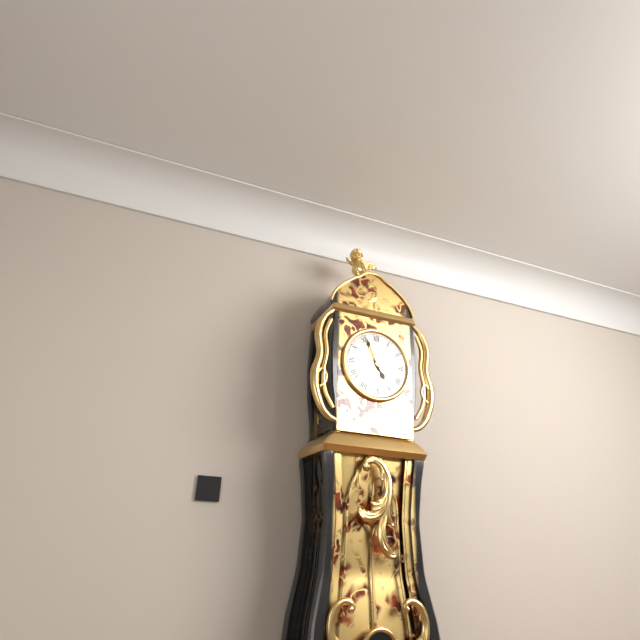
4:56
